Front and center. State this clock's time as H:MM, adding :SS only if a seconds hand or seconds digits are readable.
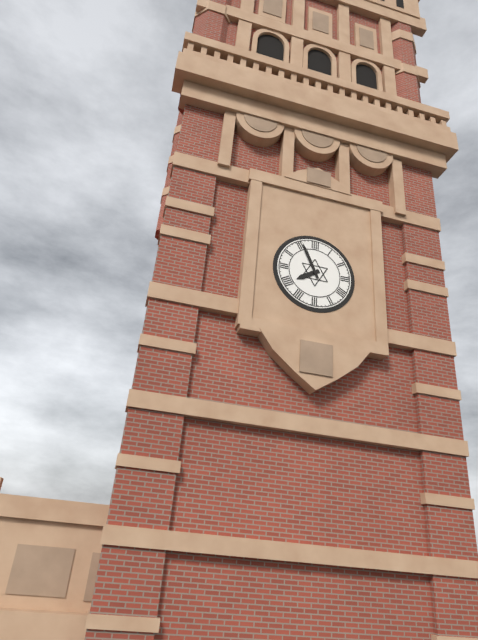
7:56
